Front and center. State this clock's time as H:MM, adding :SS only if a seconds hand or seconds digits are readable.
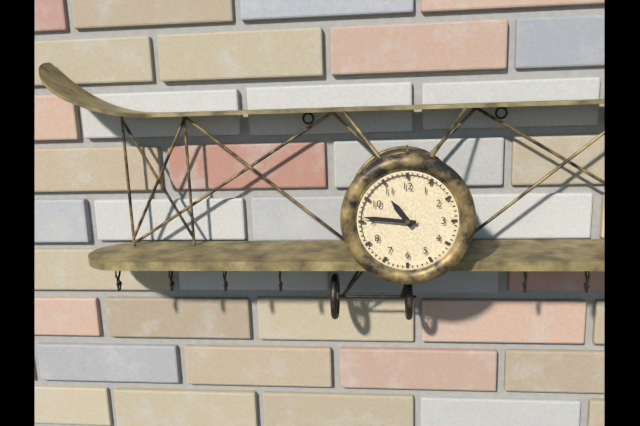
10:46
